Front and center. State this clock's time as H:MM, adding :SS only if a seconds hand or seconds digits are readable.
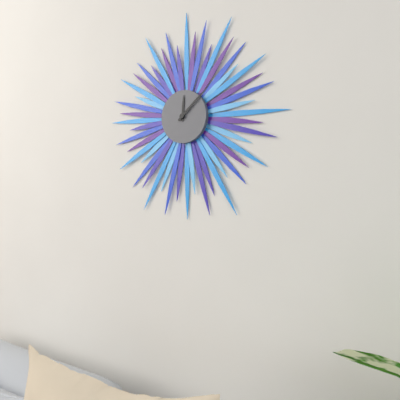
12:08
